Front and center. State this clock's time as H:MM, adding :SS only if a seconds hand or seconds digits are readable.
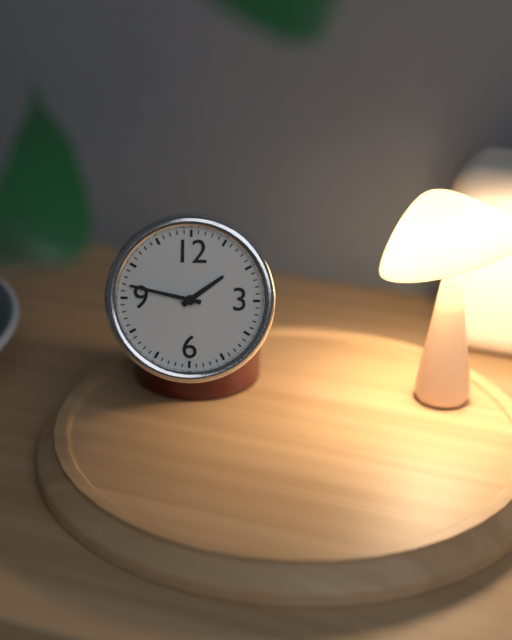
1:47
